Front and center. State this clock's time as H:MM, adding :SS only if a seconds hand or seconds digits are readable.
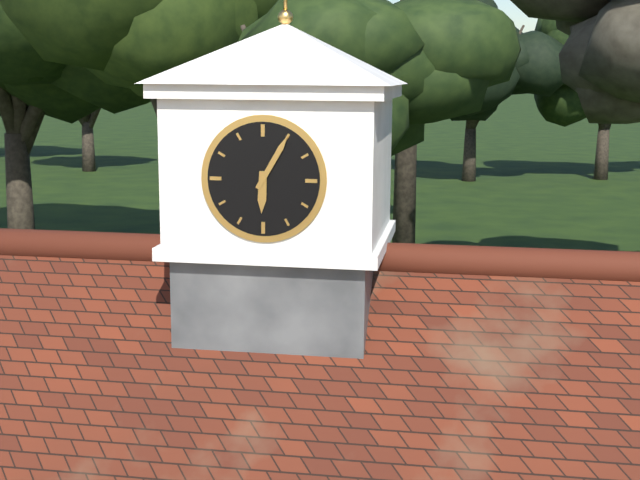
6:05
